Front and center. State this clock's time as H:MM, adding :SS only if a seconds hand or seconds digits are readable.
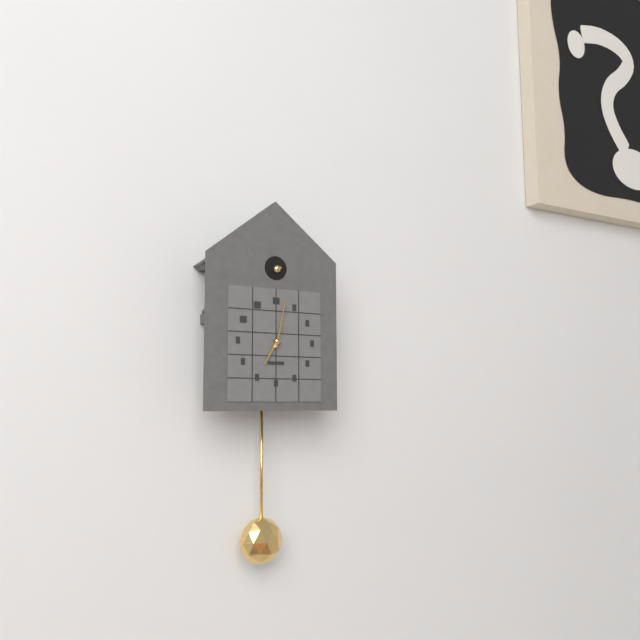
7:02
